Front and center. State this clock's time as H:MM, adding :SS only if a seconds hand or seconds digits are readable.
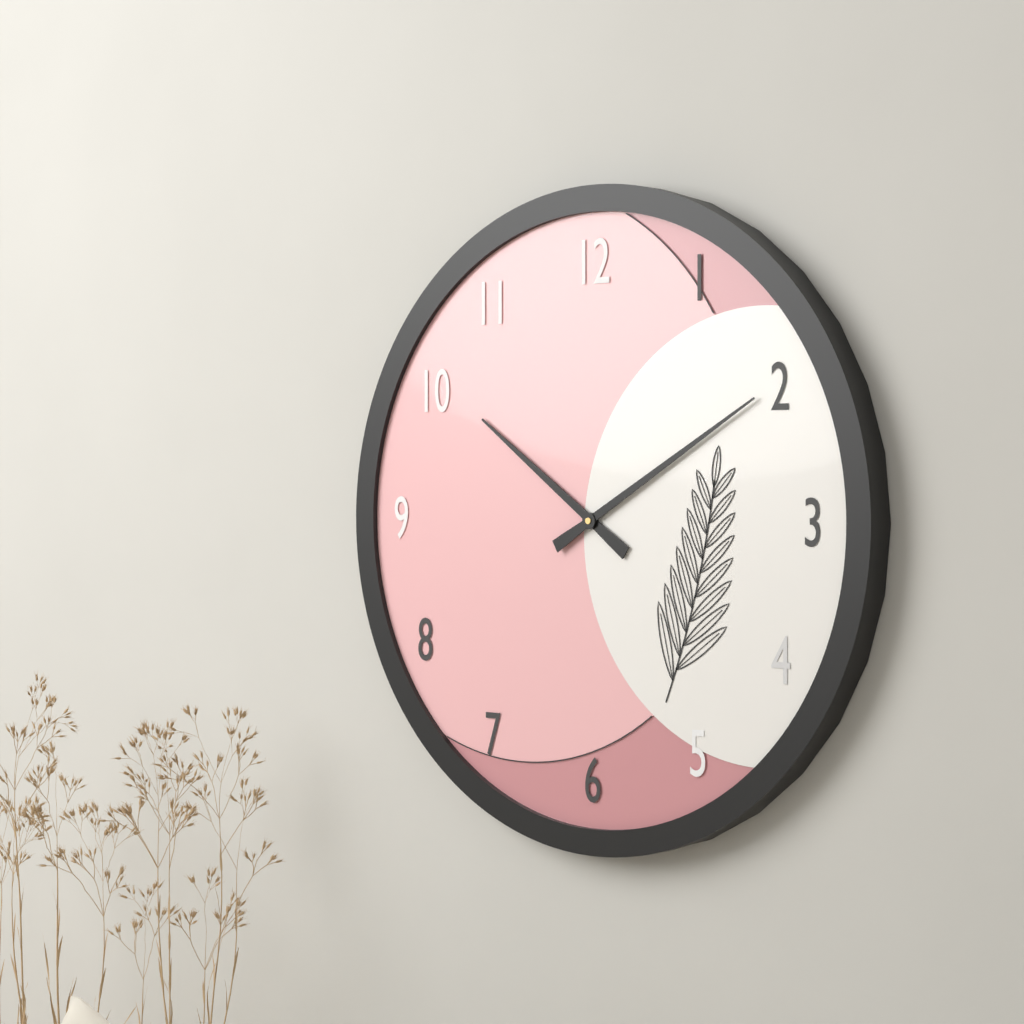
10:10
